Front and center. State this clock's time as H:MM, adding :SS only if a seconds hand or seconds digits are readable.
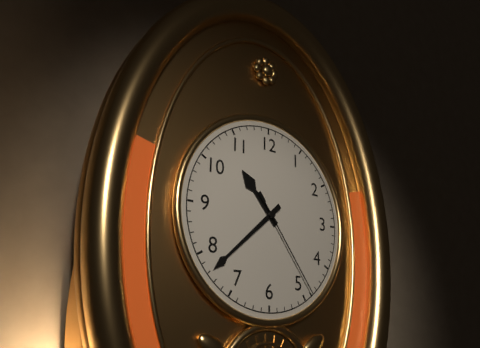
10:38:24
